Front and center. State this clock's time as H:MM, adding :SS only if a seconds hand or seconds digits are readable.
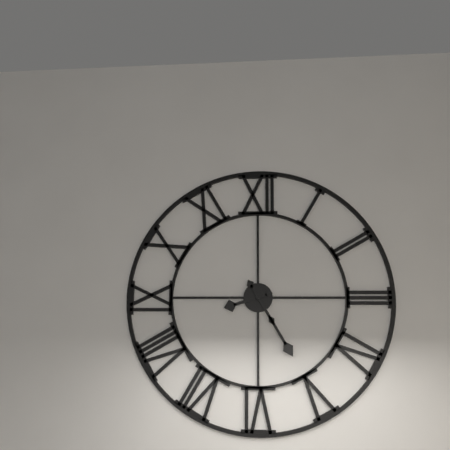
8:25
